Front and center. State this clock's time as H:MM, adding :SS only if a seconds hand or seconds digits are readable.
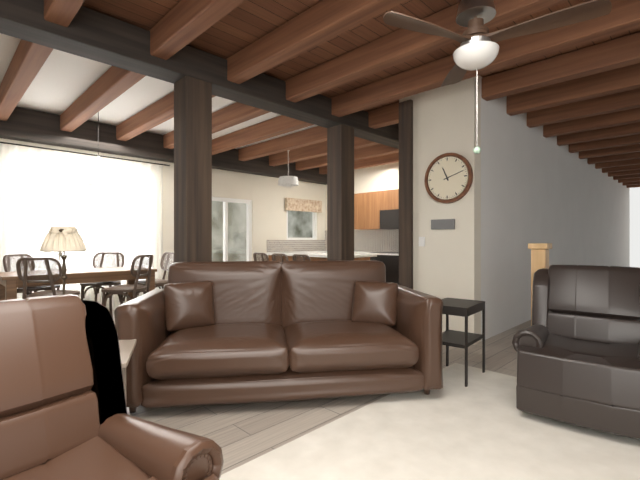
11:12
